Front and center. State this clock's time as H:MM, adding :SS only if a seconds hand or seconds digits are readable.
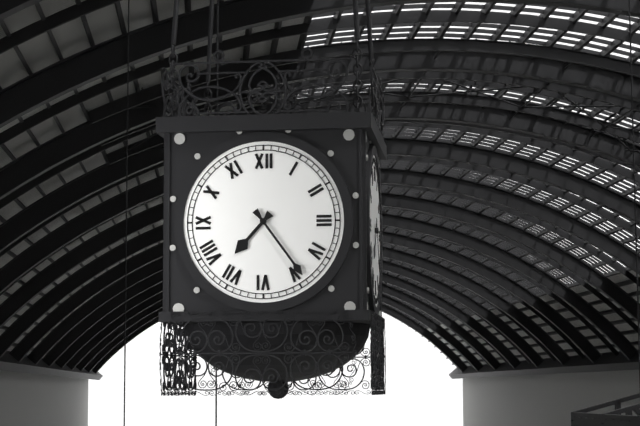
7:24
